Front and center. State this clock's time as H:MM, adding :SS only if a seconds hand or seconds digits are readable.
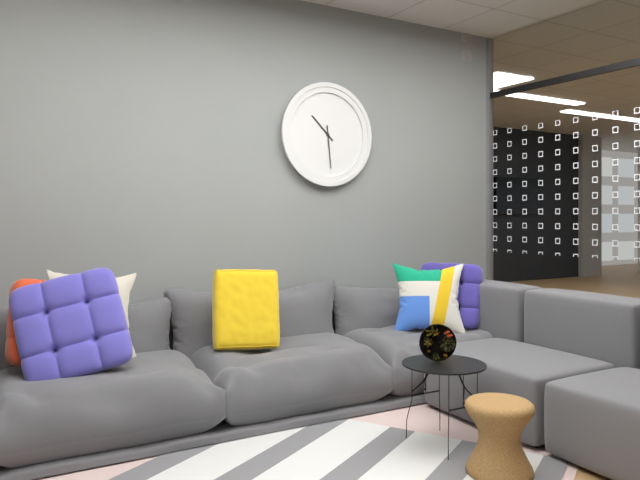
10:29
